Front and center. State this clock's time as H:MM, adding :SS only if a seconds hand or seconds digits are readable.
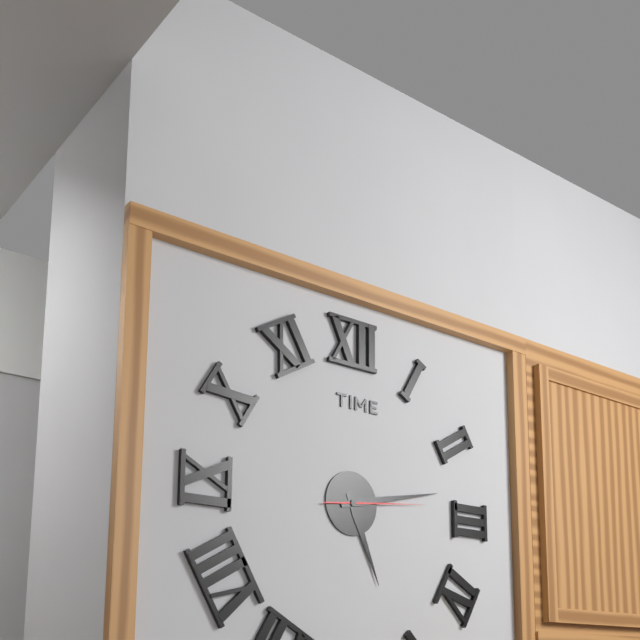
5:13:14
